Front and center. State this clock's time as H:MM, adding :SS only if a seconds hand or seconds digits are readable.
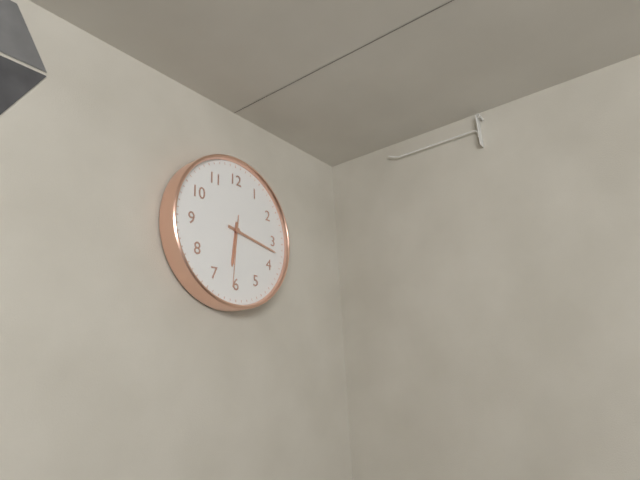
6:17:31
